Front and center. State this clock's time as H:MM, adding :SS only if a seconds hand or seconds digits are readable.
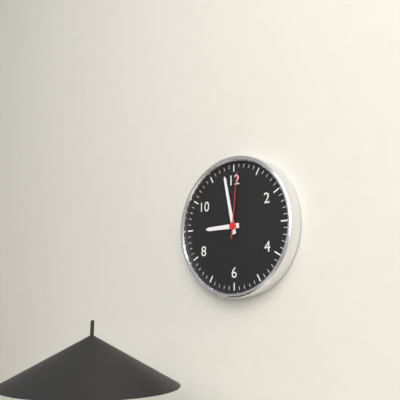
8:58:01
